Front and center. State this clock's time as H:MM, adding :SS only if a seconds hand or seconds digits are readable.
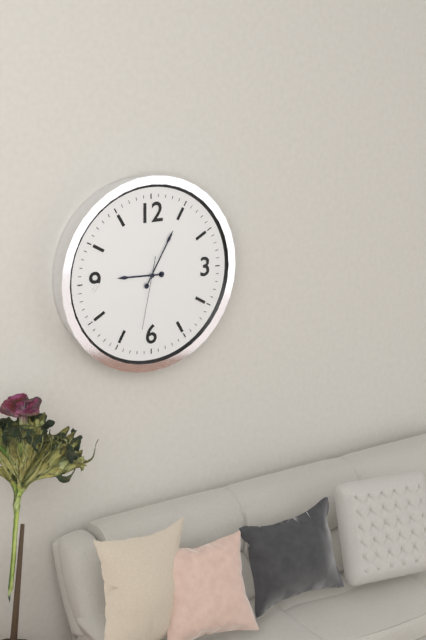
9:05:32
